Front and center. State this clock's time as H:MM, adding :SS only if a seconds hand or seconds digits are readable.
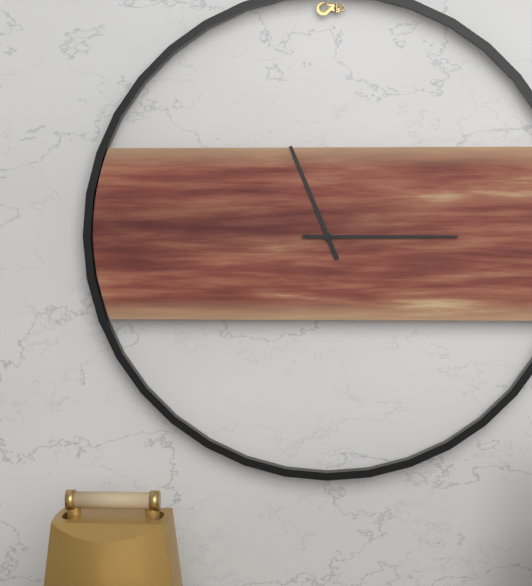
11:15
